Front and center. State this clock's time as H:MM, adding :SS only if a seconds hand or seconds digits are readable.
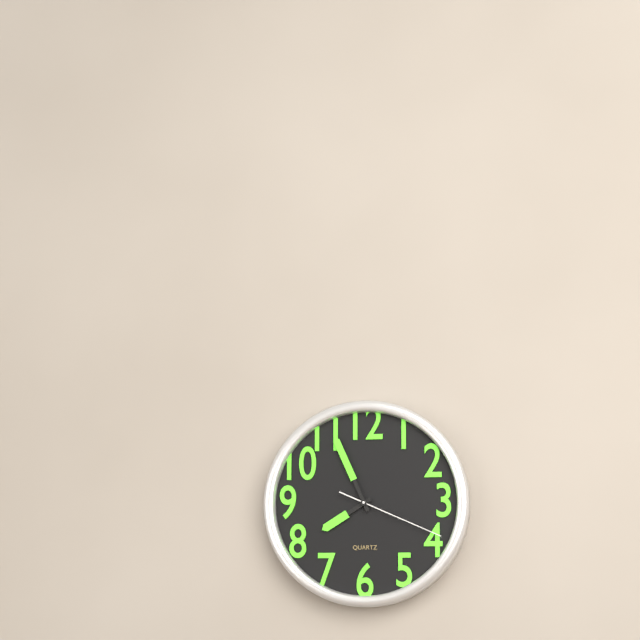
7:56:19
